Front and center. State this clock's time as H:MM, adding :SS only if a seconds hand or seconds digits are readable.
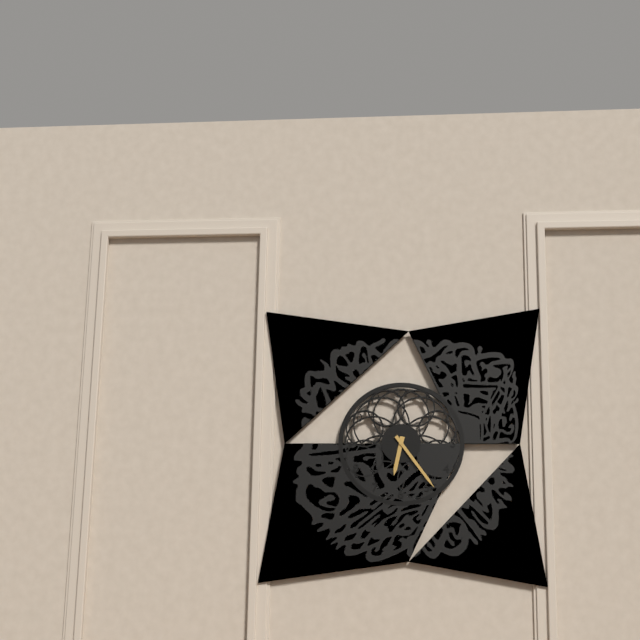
6:24
